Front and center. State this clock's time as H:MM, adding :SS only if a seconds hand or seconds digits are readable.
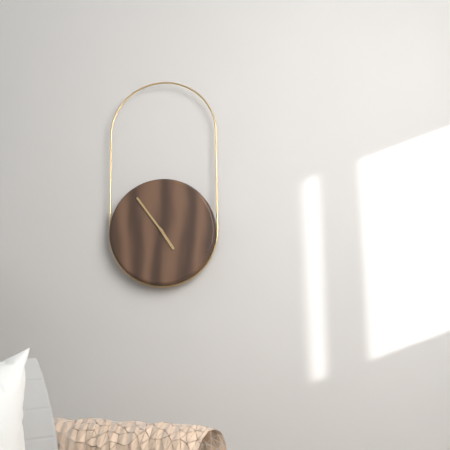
4:54
